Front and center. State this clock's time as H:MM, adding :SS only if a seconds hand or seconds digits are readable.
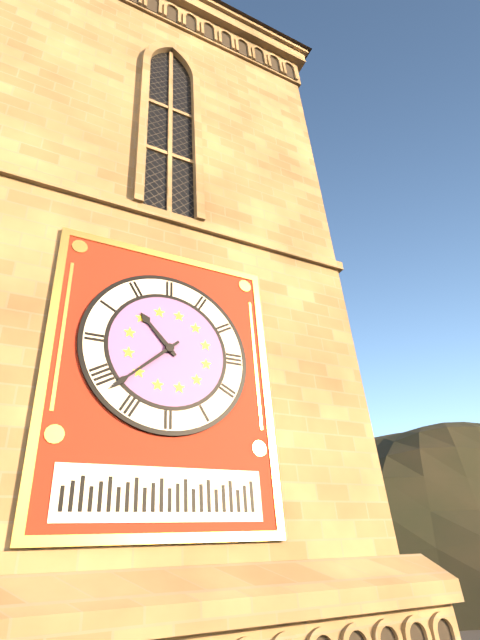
10:38
